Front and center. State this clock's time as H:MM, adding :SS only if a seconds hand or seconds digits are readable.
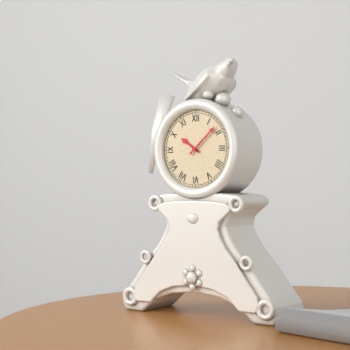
10:08
